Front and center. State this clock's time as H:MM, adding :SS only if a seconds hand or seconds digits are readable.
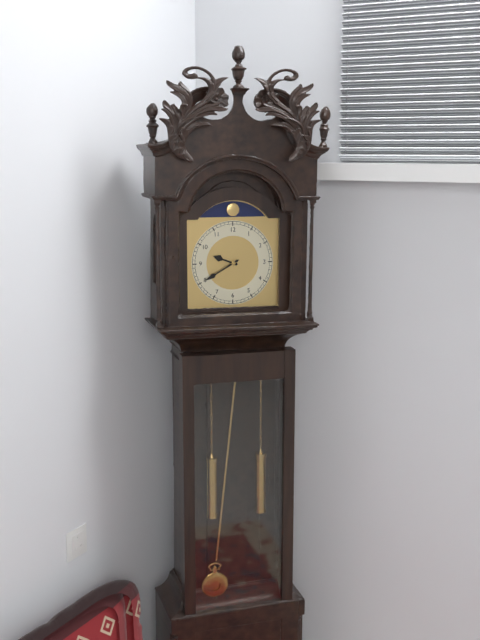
9:40
